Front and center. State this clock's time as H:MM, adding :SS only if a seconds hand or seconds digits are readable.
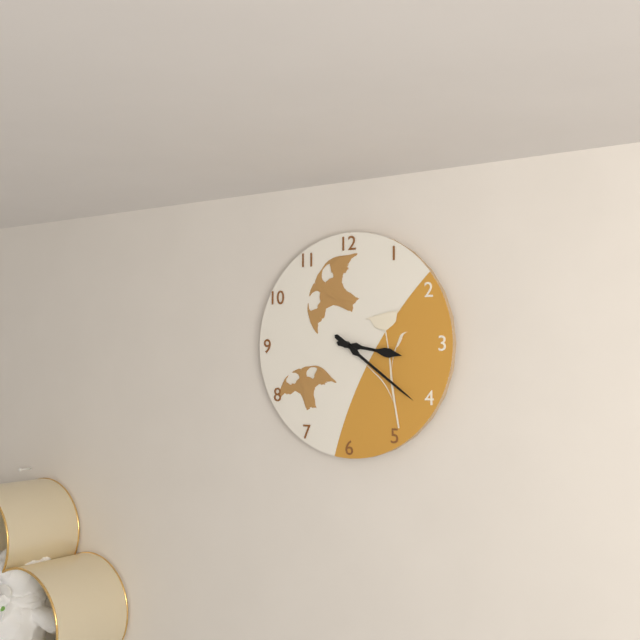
3:21
